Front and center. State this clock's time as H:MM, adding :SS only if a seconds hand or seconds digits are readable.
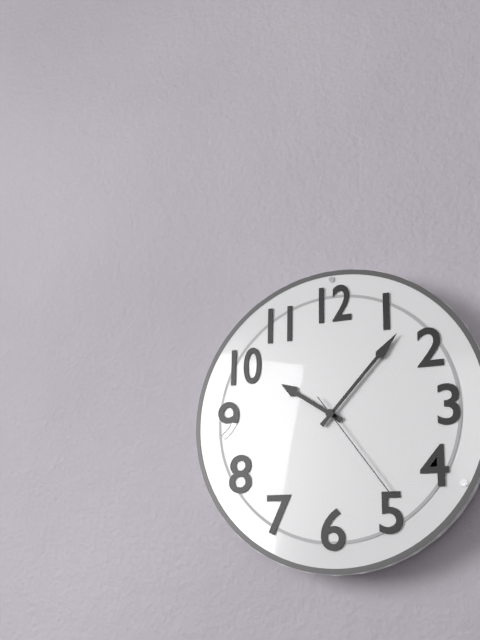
10:07:24
